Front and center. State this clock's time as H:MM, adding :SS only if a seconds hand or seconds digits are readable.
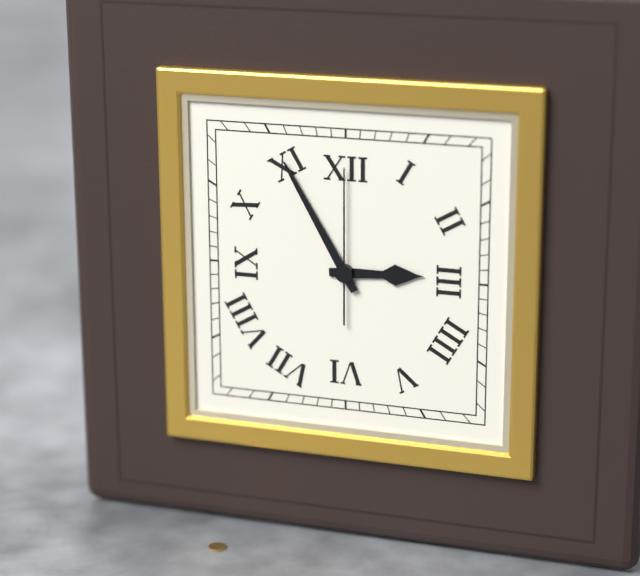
2:55:00
